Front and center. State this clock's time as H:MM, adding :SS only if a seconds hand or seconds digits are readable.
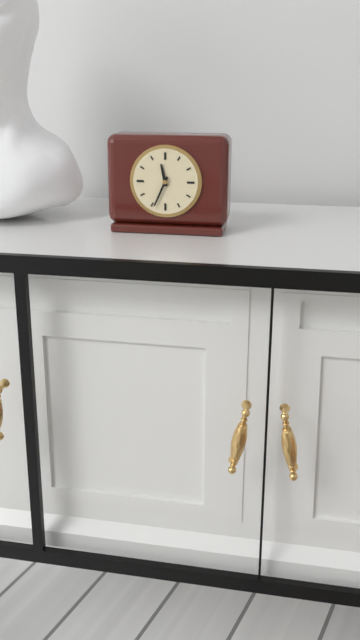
11:34
